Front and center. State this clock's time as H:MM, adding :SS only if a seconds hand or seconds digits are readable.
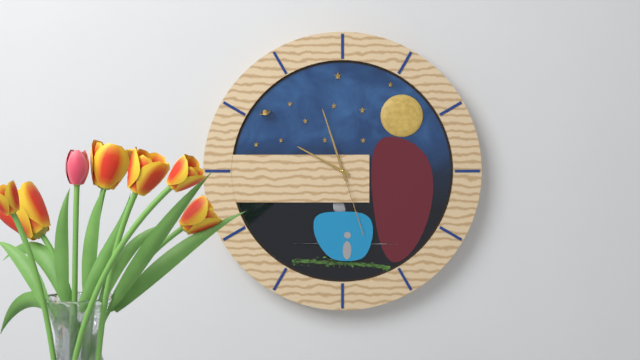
9:57:27
